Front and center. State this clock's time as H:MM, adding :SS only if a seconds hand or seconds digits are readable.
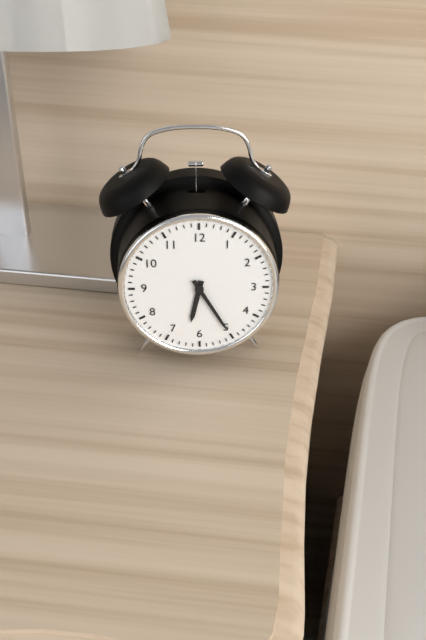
6:25
